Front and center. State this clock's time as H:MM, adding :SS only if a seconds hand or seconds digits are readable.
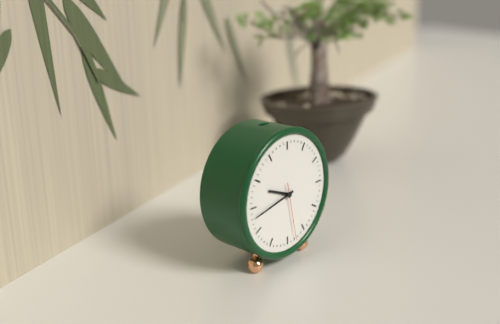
9:43:28
